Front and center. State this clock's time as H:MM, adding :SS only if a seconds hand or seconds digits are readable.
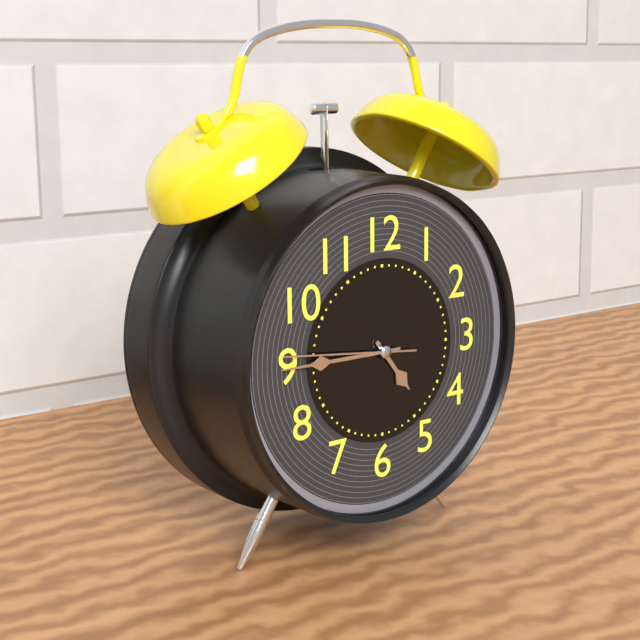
4:45:46
